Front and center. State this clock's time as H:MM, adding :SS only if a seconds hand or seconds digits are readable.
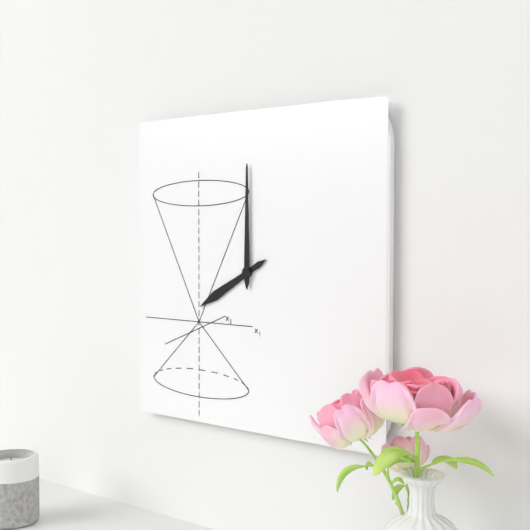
8:00
